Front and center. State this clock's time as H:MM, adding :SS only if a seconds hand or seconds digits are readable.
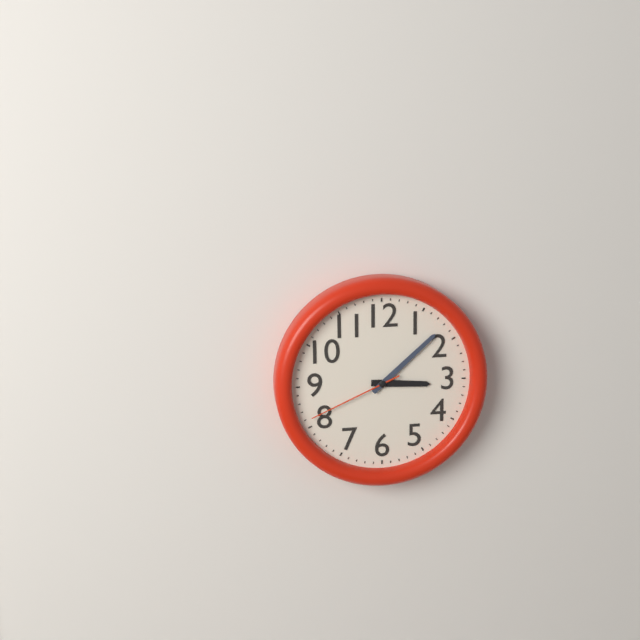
3:08:41
